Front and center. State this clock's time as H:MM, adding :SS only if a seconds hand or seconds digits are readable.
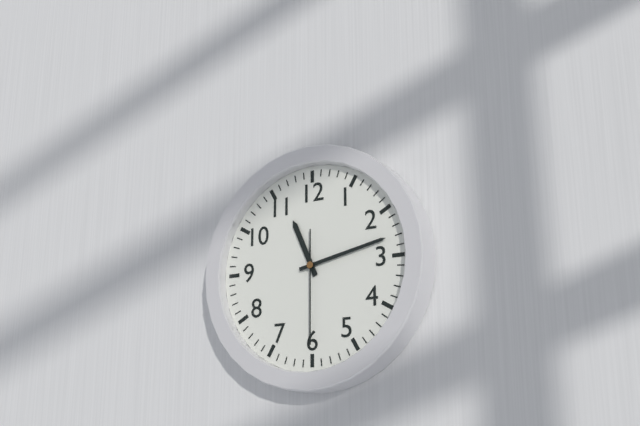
11:13:30
